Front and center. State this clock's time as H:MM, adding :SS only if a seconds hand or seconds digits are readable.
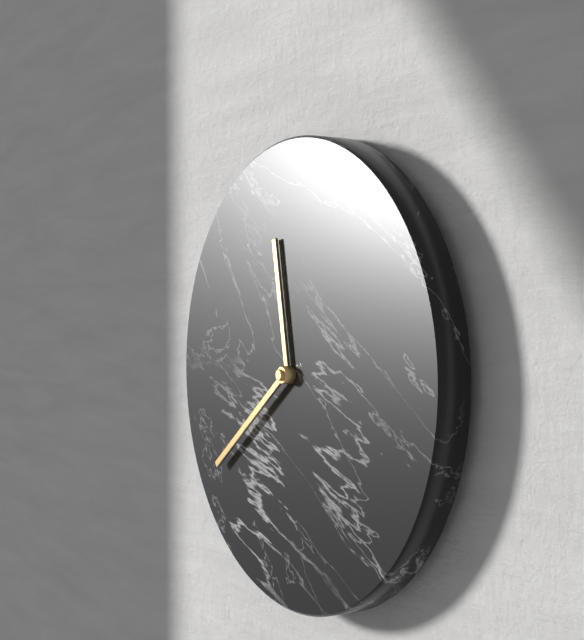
11:39
